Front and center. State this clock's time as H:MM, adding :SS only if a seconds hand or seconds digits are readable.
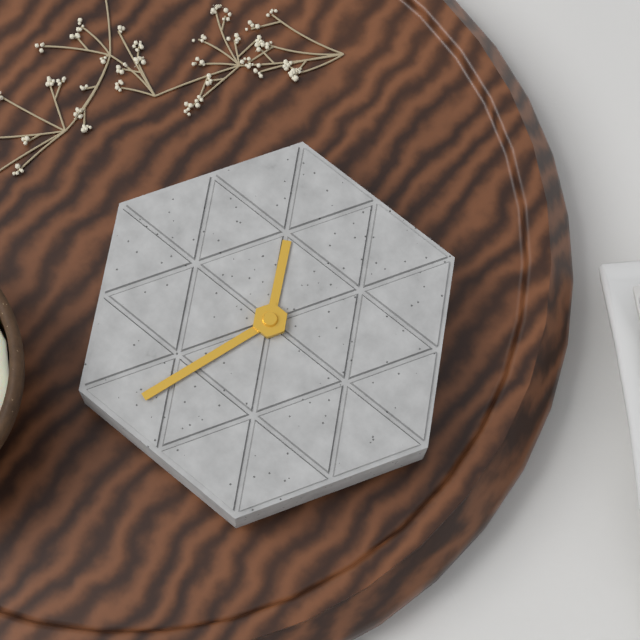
5:03
